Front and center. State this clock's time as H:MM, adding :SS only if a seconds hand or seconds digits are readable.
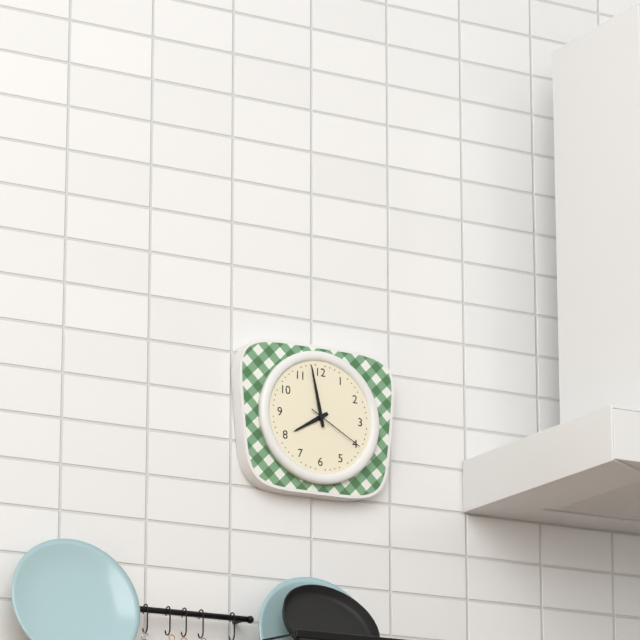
7:58:20
